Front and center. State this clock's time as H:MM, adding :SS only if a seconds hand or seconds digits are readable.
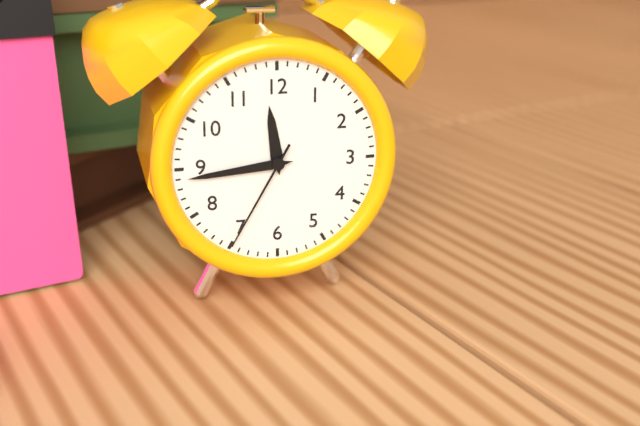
11:44:35
